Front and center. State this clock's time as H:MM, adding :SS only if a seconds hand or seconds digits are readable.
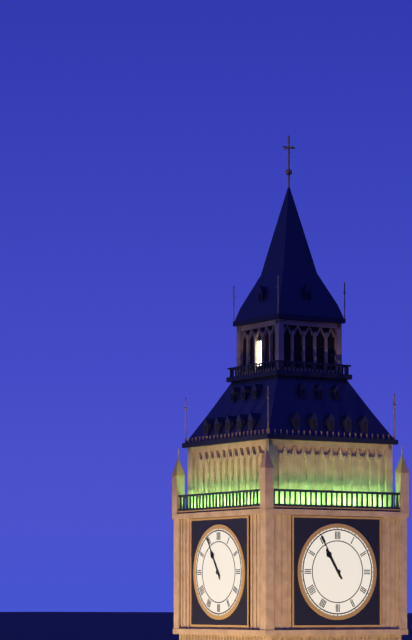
10:55
